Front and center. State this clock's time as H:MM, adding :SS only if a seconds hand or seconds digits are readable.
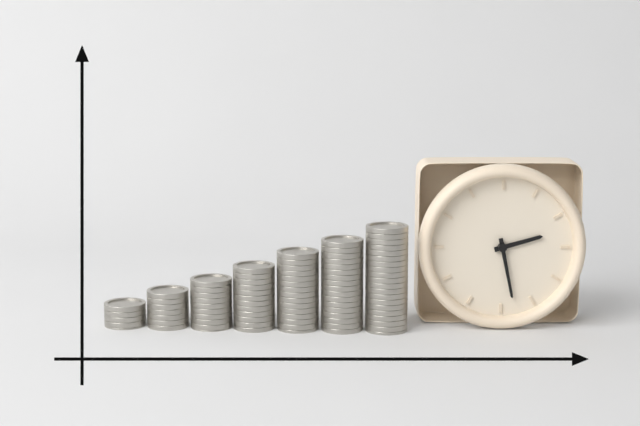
2:28
